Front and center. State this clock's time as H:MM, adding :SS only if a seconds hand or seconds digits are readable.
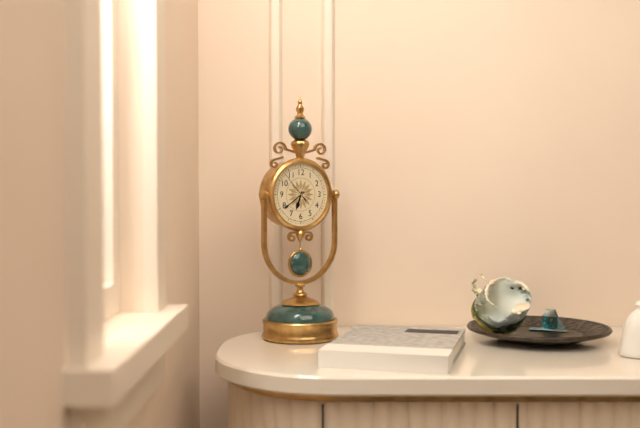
6:39
